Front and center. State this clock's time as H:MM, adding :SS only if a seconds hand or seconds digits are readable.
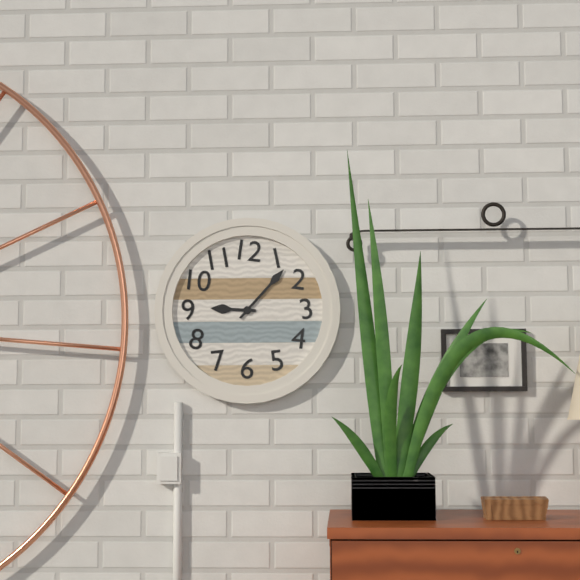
9:07
